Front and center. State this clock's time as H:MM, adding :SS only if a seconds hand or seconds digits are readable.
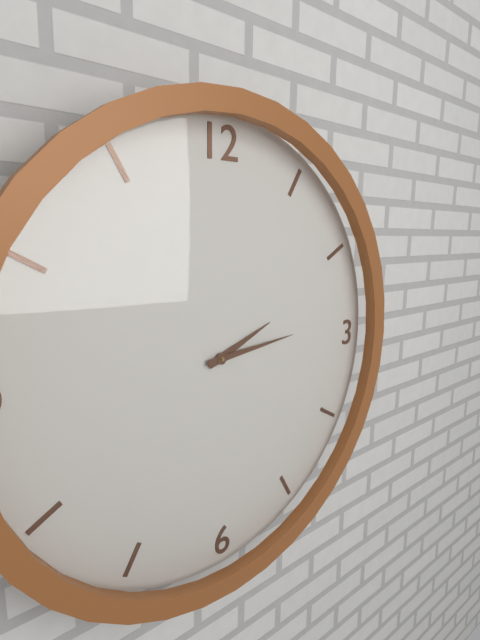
2:14
